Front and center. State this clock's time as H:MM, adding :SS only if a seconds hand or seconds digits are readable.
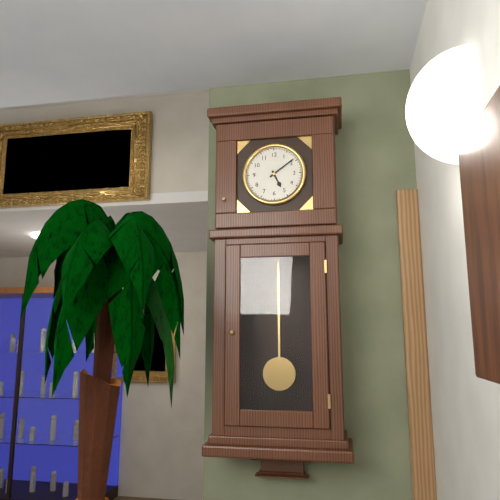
5:09
